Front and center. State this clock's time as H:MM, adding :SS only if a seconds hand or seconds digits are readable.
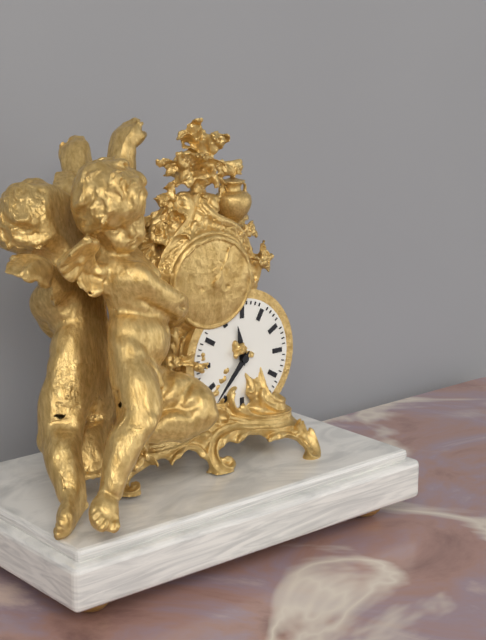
11:37
